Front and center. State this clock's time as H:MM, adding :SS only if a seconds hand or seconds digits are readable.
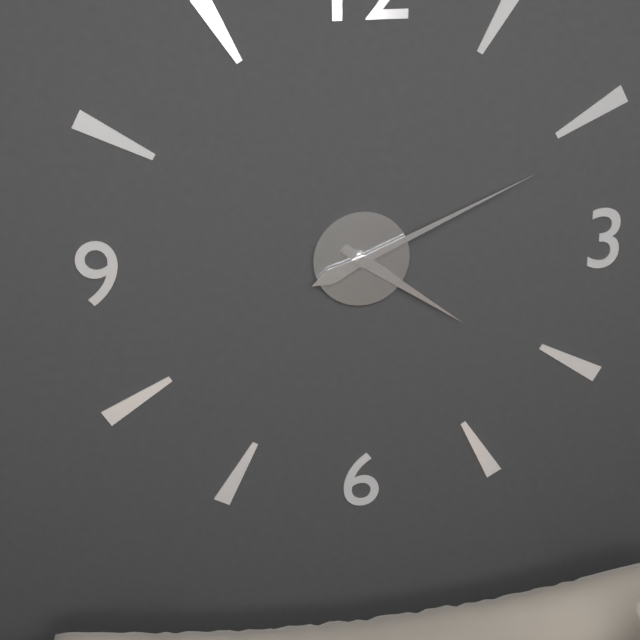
4:11
